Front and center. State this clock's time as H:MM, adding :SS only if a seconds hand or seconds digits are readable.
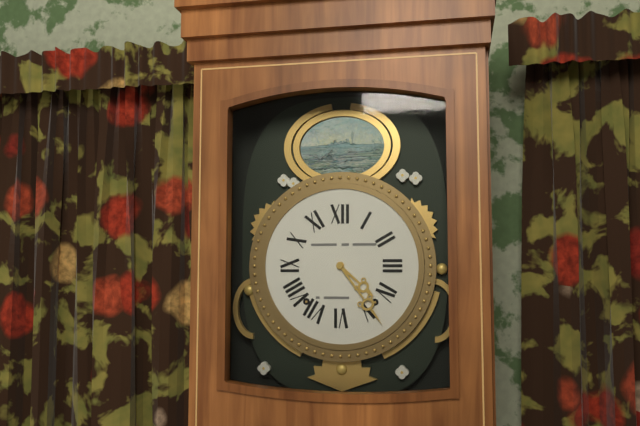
4:24
